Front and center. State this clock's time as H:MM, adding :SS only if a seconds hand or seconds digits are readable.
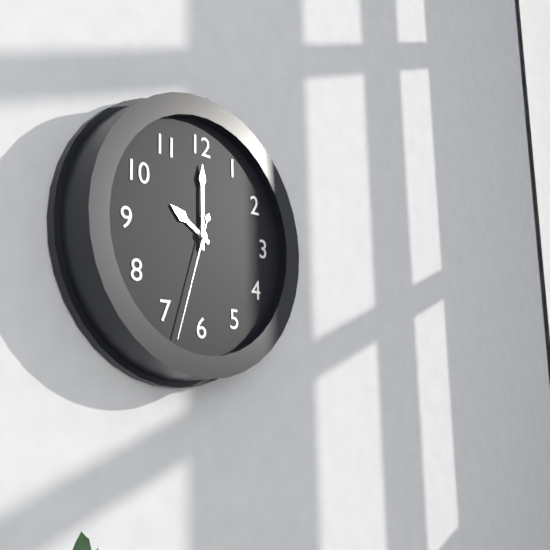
10:00:33
